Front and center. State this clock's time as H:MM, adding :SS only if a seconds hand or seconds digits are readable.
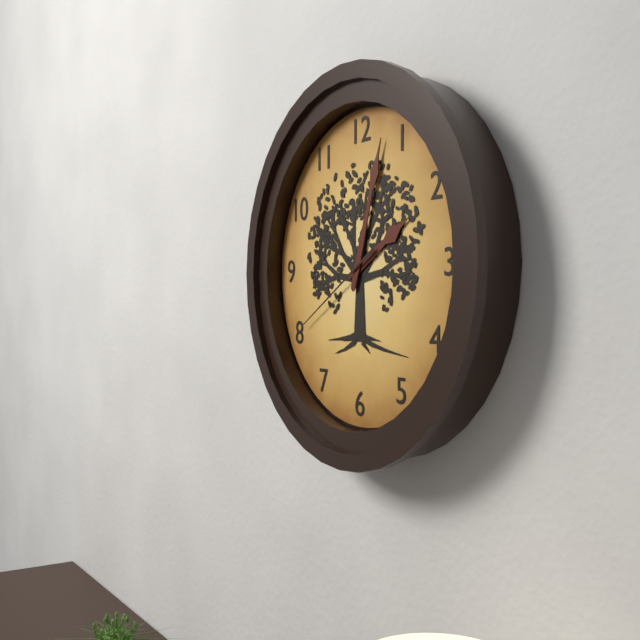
2:03:40
